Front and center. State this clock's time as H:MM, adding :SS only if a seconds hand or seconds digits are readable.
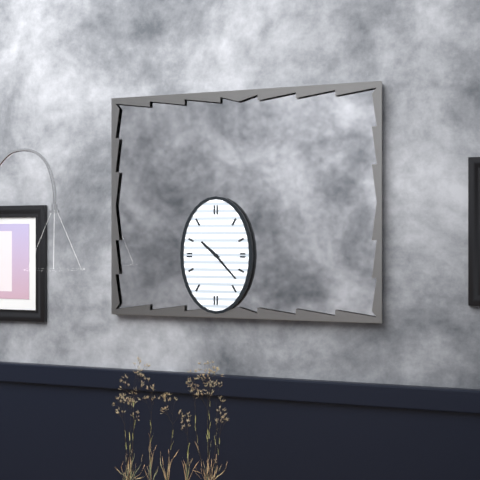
10:23
